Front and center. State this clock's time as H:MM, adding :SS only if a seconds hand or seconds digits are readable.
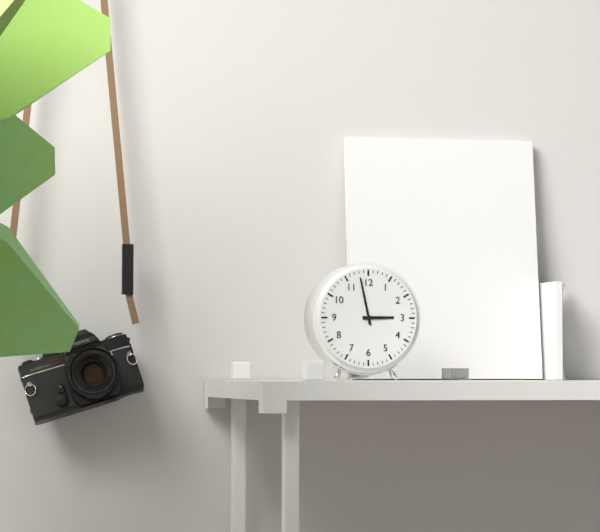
2:58
